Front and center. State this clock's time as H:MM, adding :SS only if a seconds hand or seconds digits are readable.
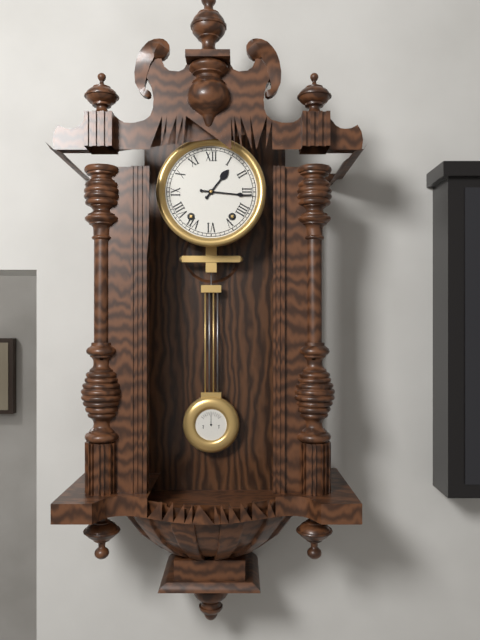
1:16
